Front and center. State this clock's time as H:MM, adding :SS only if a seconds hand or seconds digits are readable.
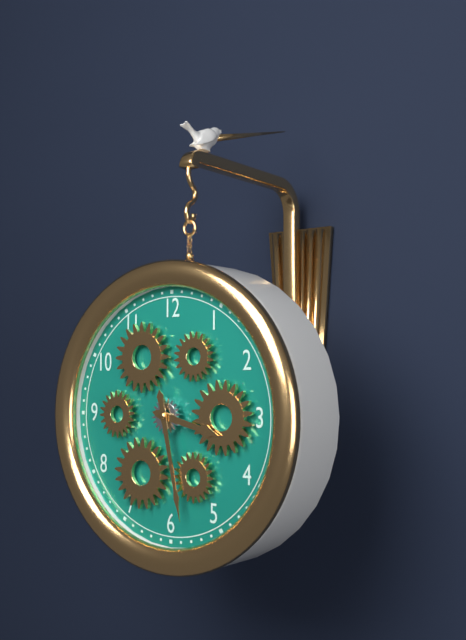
3:28
